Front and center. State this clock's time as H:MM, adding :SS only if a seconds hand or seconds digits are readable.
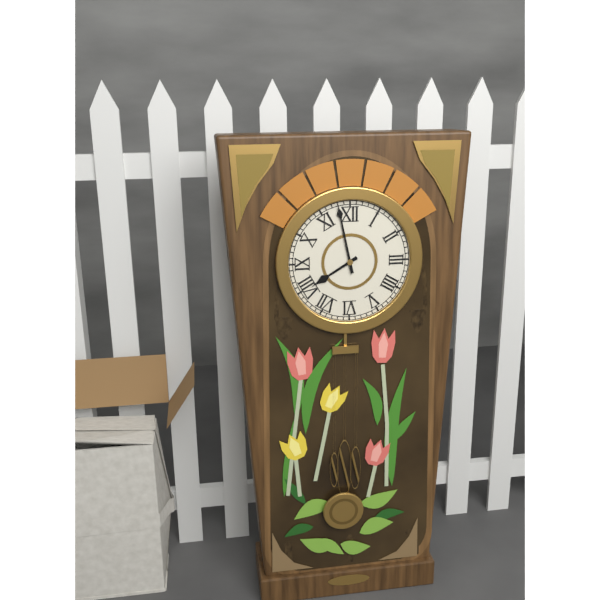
7:58
